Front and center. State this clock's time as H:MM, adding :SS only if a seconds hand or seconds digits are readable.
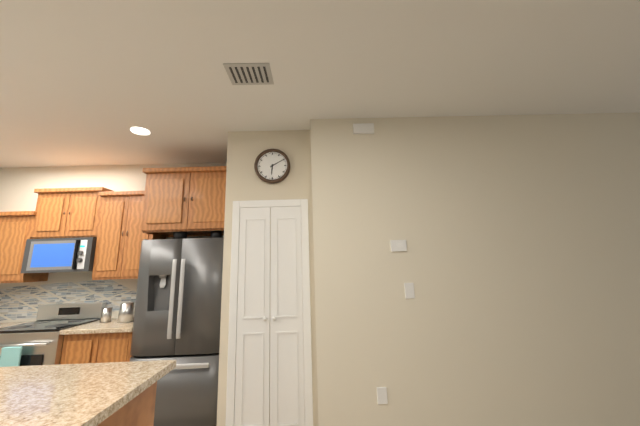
6:10
